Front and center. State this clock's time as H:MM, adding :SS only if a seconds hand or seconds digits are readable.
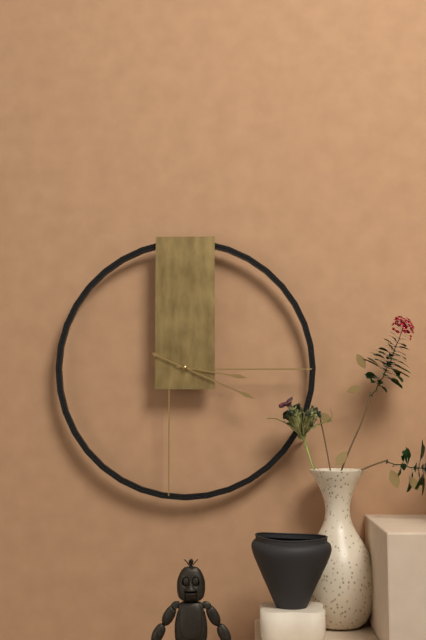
3:19
